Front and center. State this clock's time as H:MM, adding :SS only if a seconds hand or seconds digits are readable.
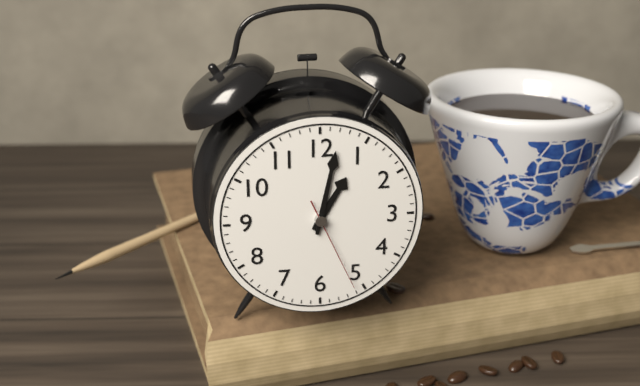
1:02:26
